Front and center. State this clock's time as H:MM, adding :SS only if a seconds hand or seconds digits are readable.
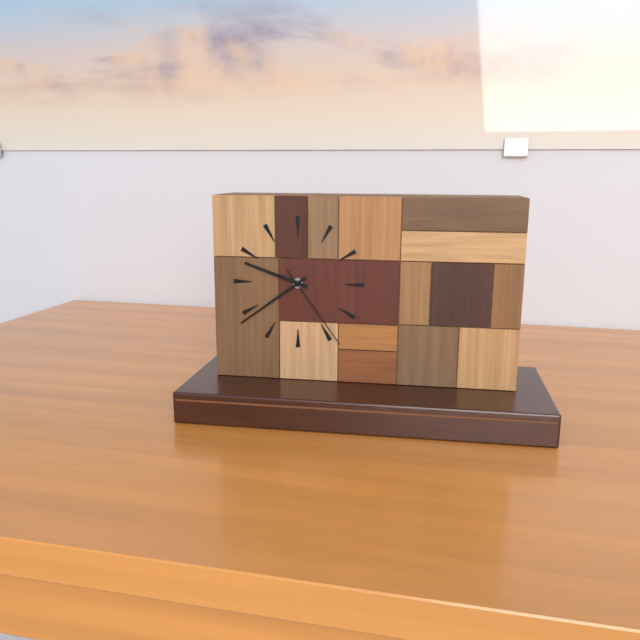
9:39:24
